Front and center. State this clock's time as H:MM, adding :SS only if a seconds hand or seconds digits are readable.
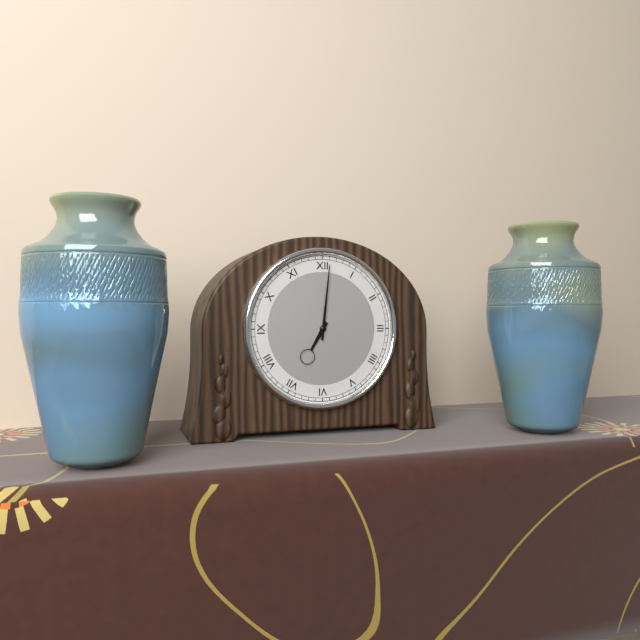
7:01
